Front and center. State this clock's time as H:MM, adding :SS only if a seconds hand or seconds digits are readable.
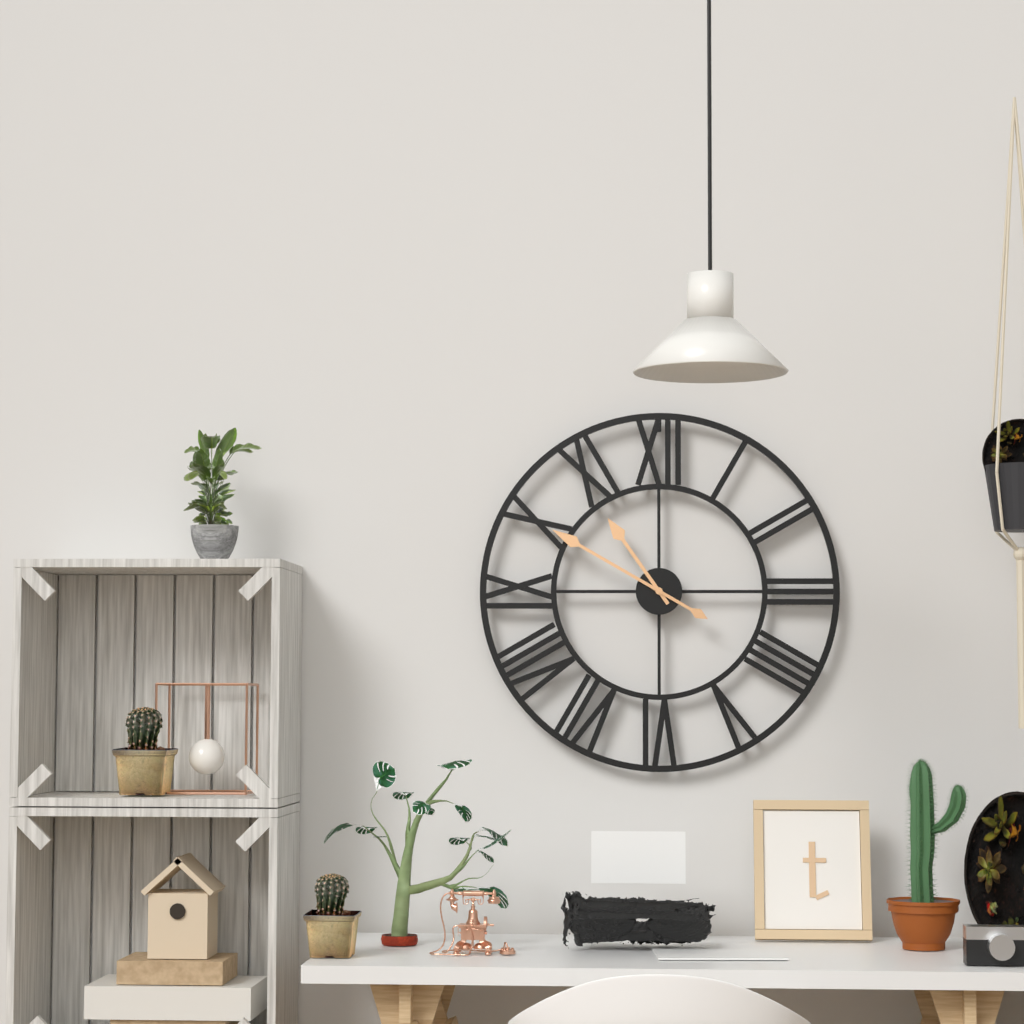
10:50
